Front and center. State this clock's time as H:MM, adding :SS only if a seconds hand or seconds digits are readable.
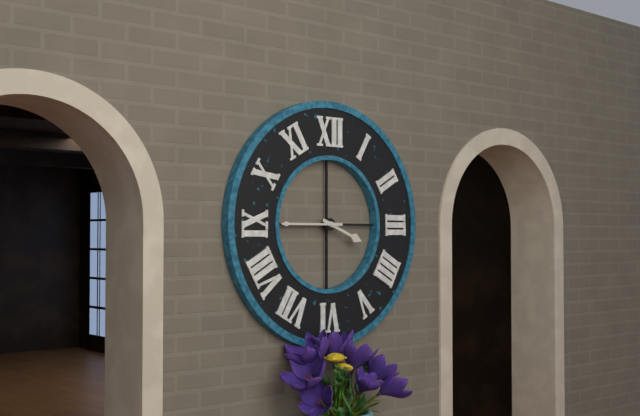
3:45
